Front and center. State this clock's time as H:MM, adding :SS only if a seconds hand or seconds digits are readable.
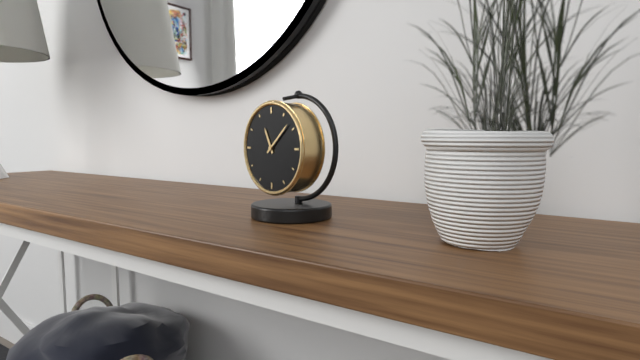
11:08
